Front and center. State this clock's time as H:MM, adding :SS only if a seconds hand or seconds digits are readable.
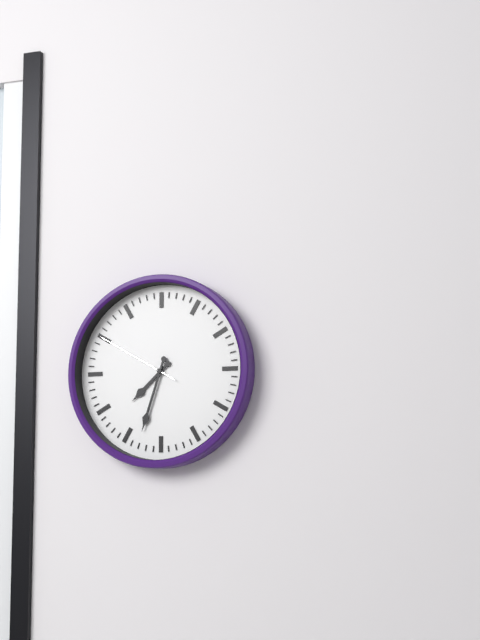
7:33:50
